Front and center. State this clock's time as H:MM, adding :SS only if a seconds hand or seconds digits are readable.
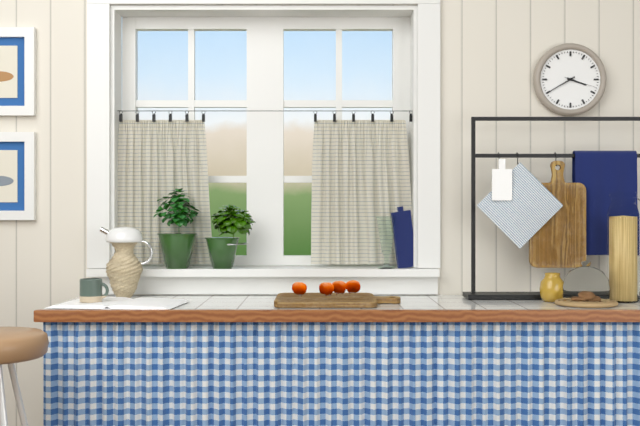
3:40
